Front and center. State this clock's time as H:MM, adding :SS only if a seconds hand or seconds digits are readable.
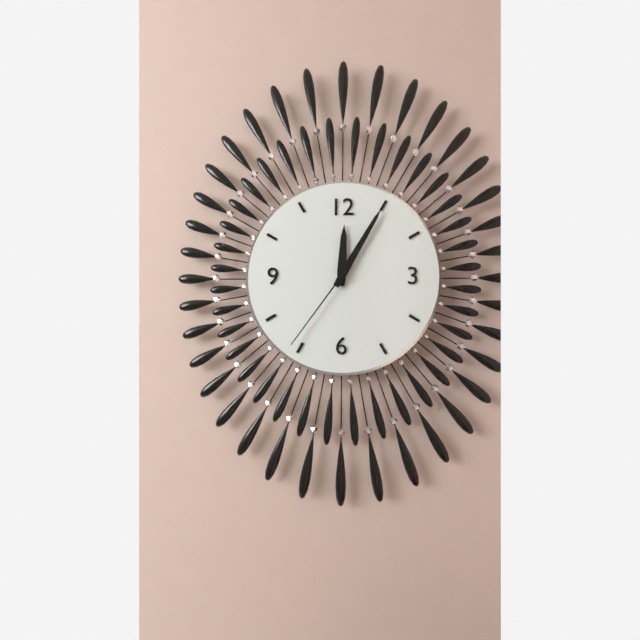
12:05:36
